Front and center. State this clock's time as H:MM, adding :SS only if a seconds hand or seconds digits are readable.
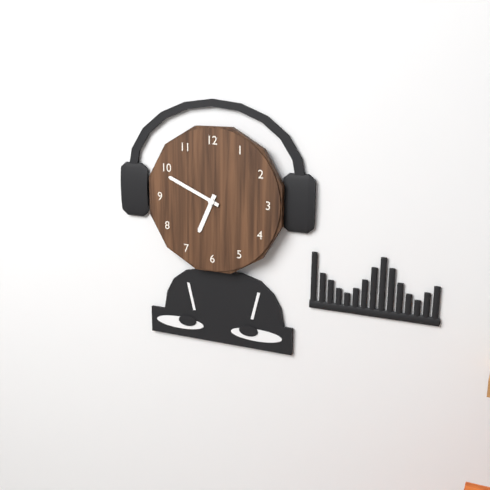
6:49
